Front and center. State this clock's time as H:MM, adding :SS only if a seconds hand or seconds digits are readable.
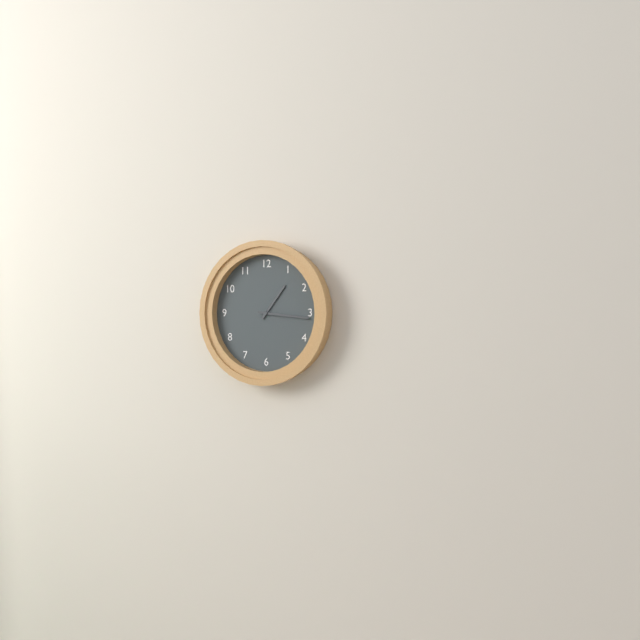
1:16
